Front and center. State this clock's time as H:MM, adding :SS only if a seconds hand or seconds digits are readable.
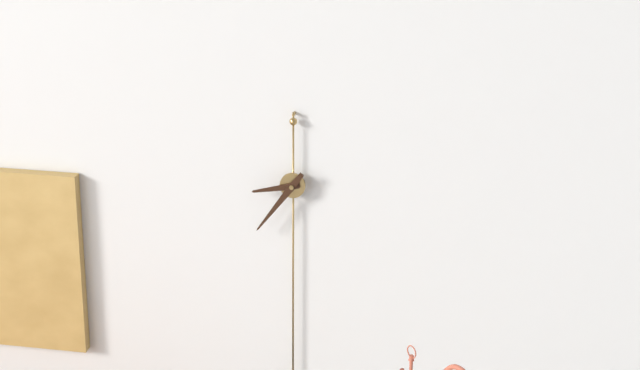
8:36
